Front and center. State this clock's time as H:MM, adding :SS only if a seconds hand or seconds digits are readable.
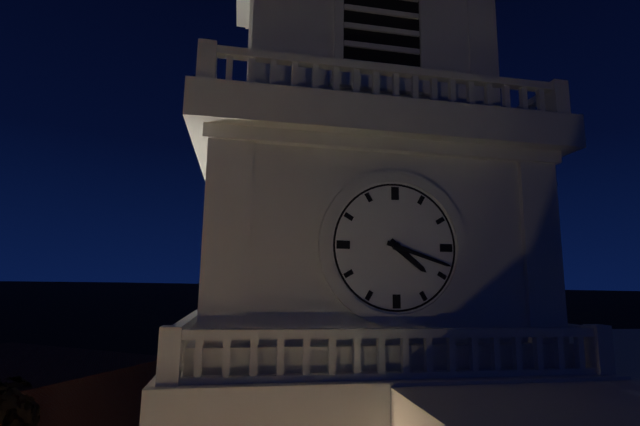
4:18
